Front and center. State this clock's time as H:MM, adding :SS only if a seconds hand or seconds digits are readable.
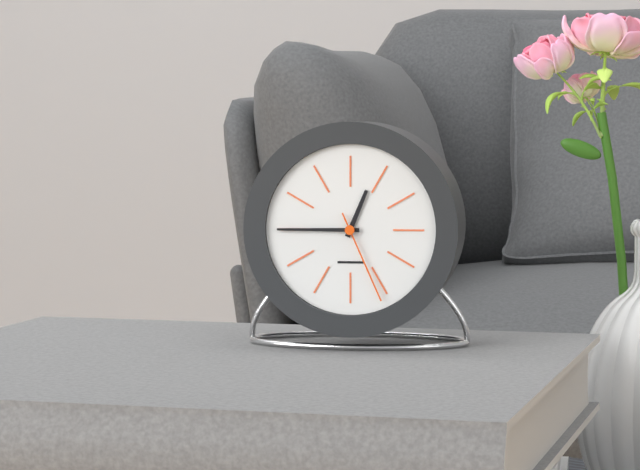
12:45:26
